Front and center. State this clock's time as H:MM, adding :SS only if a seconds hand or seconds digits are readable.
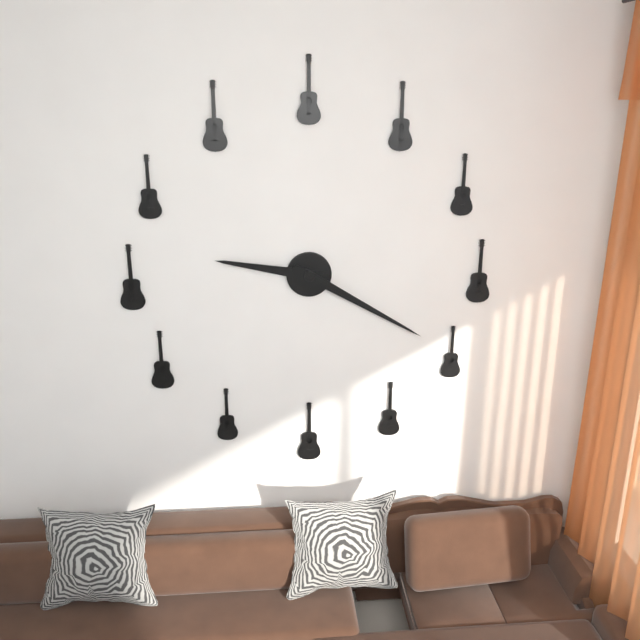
9:20
